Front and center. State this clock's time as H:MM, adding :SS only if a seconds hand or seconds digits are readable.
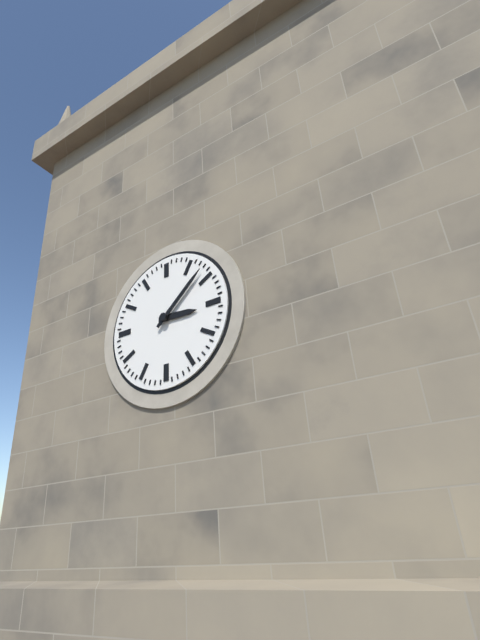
3:08
